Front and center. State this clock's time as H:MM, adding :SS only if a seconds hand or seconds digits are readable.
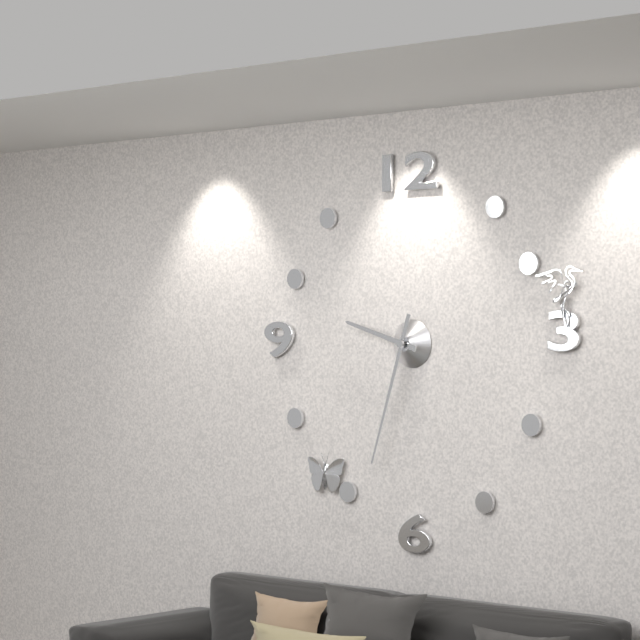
9:33
